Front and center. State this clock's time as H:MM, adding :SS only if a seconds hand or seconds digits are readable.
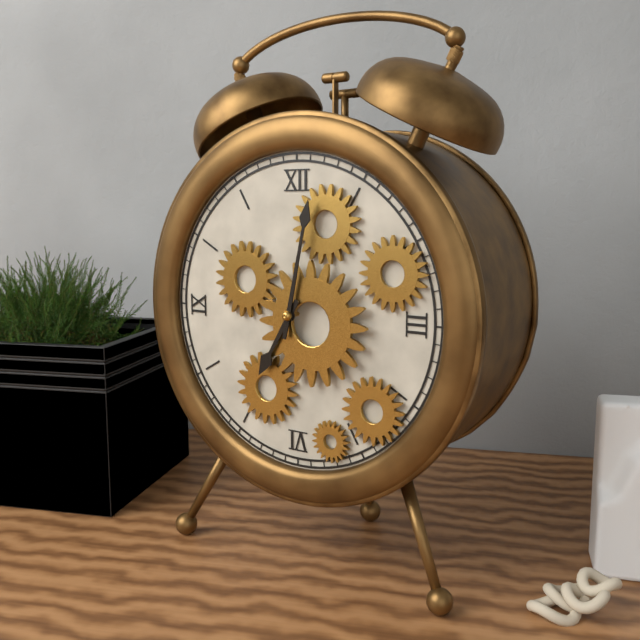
7:02
